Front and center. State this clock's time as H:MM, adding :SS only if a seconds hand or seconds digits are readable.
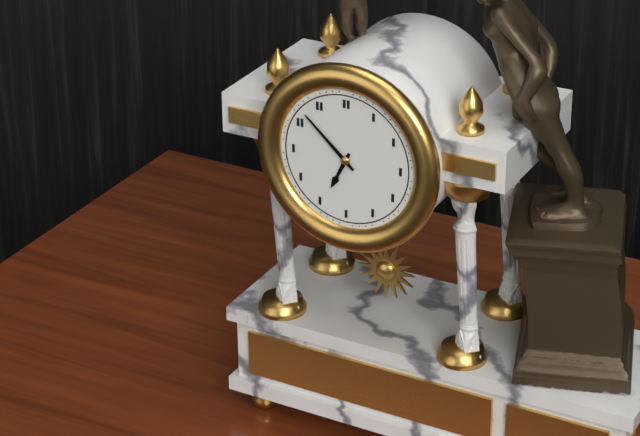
6:52
